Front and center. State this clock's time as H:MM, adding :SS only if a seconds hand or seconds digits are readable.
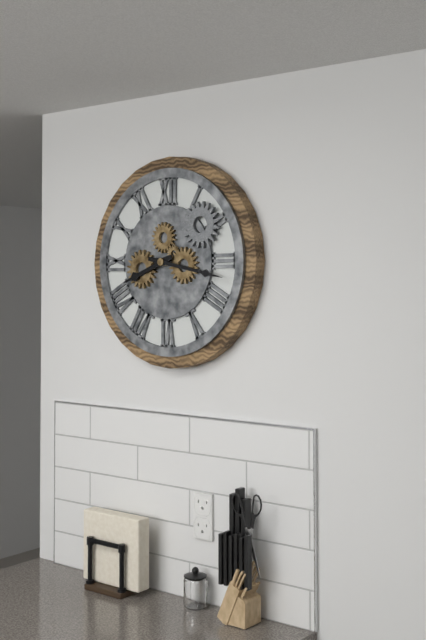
8:17
